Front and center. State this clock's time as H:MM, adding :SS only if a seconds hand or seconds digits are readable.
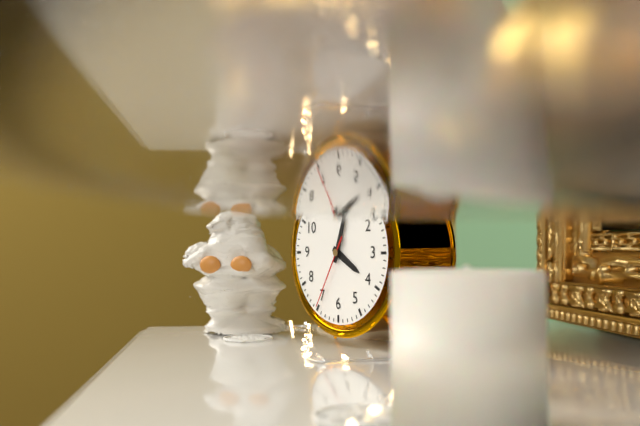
4:03:35
